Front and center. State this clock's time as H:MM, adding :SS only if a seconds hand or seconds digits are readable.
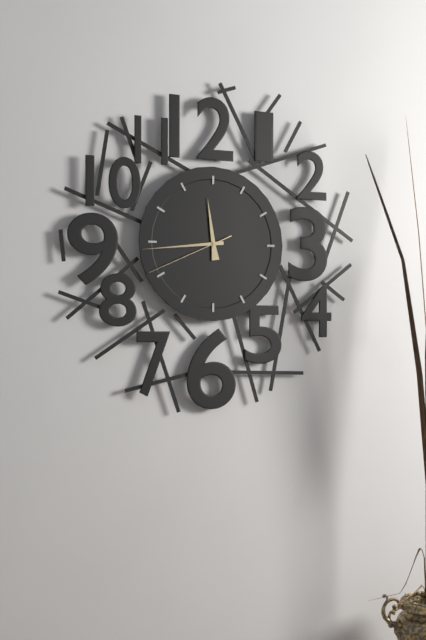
11:44:41
